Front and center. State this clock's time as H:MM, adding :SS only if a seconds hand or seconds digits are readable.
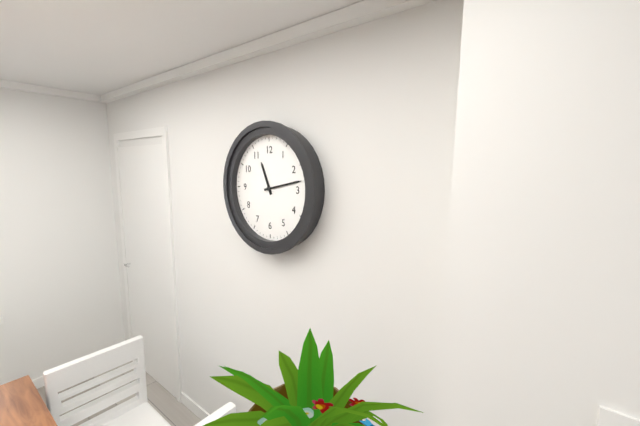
11:13
